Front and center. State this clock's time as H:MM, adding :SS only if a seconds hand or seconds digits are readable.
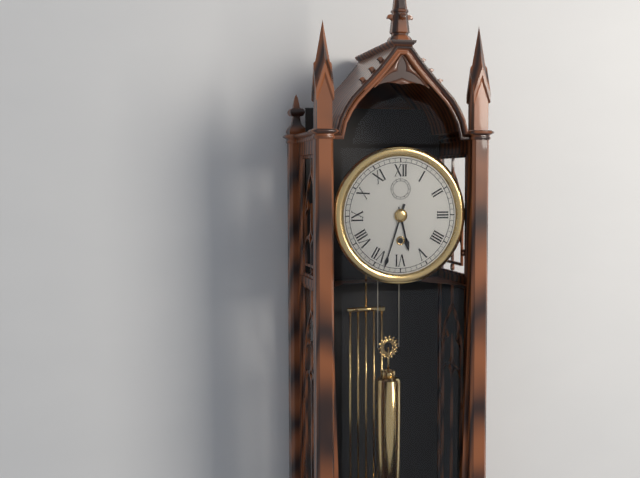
5:33
